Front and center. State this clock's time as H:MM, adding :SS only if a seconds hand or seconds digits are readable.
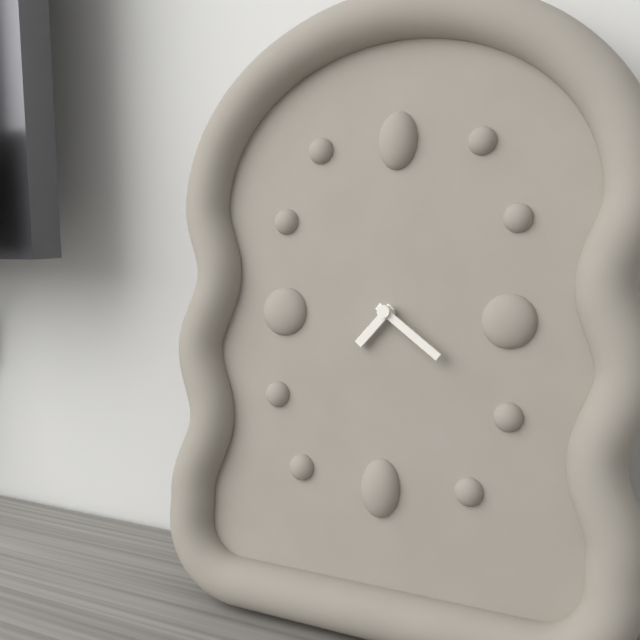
7:21
